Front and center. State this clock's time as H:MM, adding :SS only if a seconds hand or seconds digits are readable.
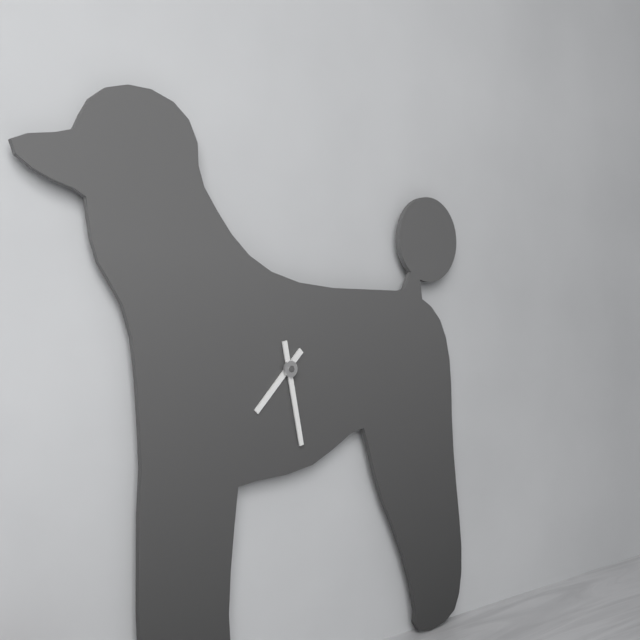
7:28
